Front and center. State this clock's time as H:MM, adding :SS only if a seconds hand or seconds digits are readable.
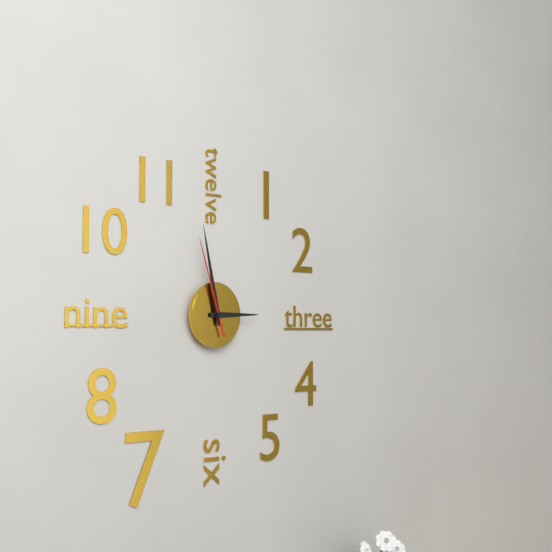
2:58:57
